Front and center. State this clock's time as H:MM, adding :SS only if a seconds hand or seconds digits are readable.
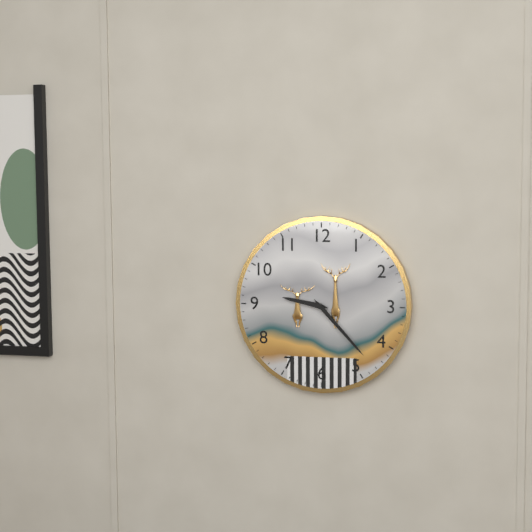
9:23
